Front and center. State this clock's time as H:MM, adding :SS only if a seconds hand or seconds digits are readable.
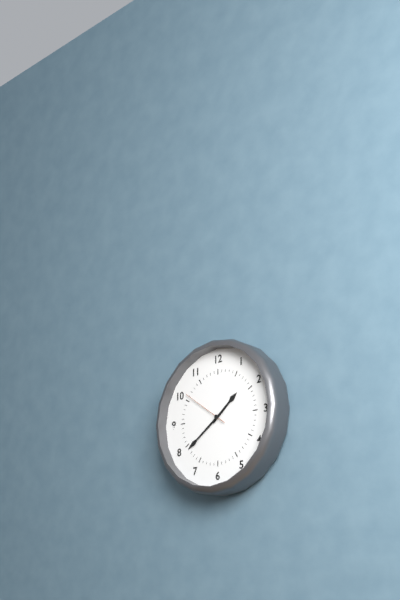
1:39
